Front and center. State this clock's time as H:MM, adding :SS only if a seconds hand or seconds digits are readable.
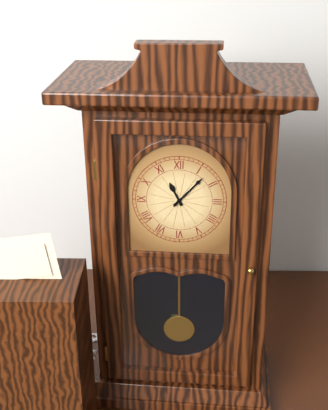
11:07
